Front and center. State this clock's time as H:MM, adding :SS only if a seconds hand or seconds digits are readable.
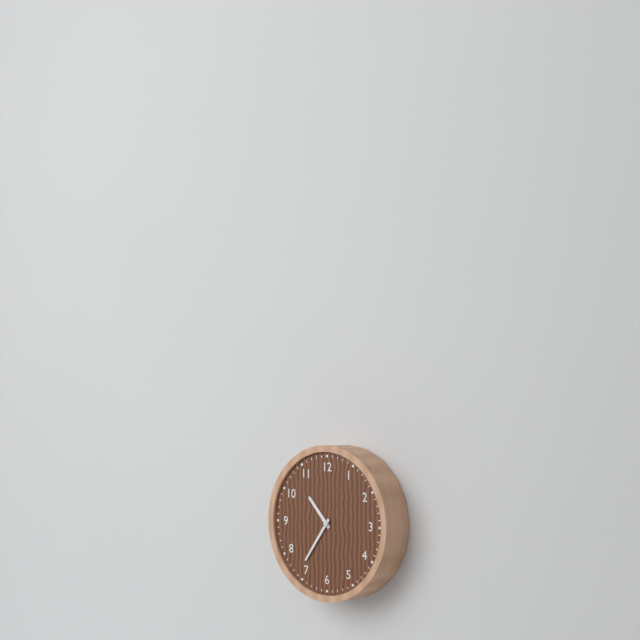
10:36
